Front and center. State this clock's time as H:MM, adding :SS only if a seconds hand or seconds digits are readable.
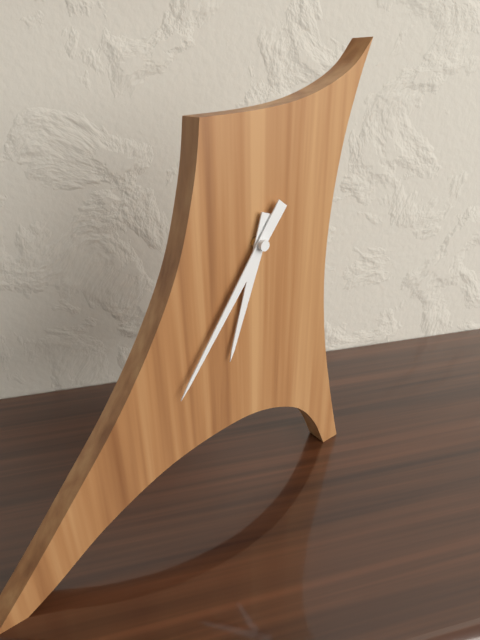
6:36
